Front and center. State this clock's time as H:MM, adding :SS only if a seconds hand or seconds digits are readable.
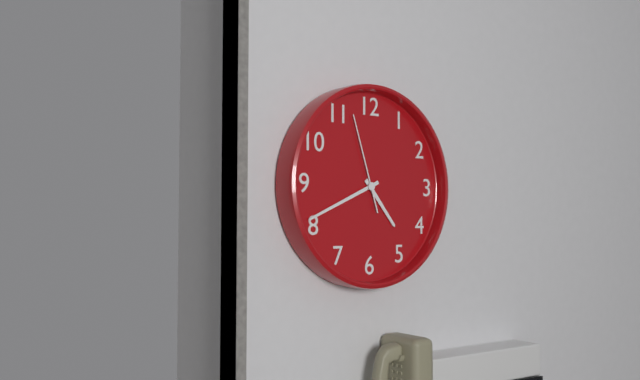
4:41:57
